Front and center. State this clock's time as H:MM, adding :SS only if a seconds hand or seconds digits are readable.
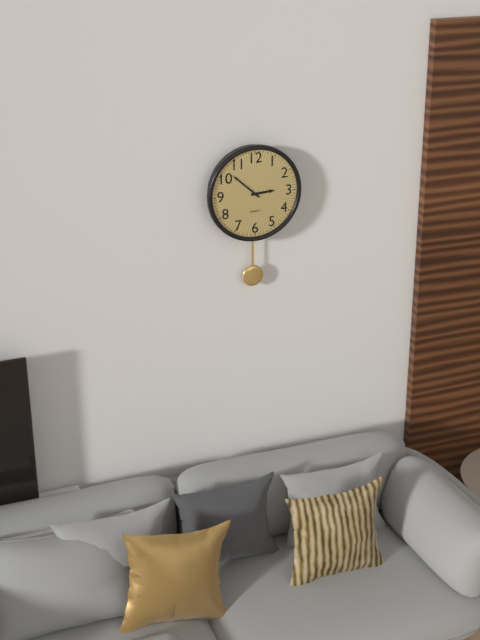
2:52
